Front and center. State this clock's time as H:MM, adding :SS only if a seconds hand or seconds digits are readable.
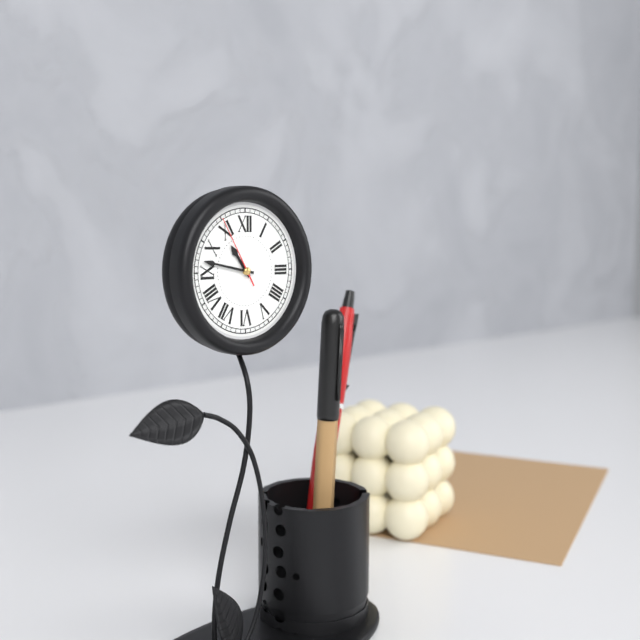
10:47:55
